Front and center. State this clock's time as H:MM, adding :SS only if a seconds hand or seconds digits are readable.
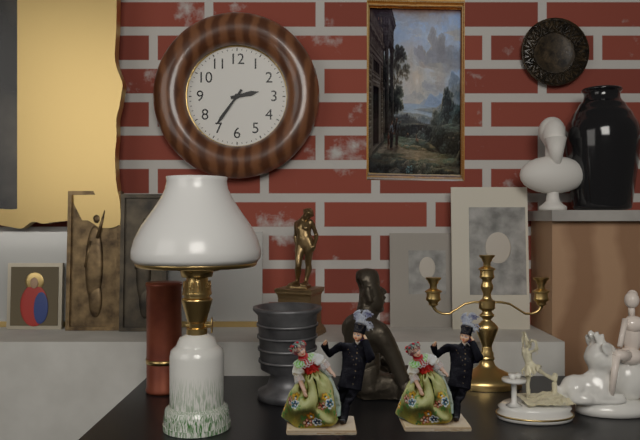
2:36
